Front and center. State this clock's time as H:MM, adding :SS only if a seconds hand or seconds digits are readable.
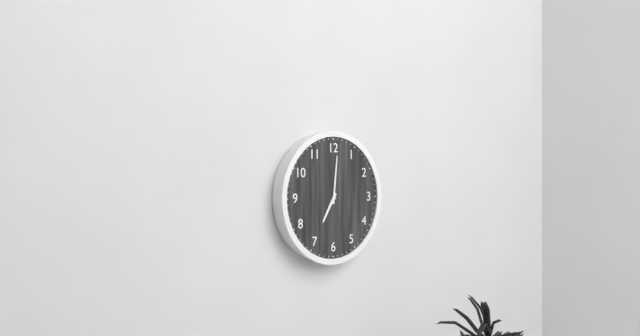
7:01
